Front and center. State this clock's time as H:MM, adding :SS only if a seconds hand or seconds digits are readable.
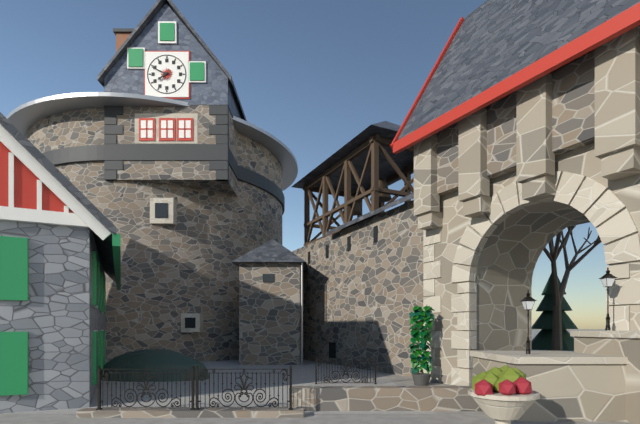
7:49
